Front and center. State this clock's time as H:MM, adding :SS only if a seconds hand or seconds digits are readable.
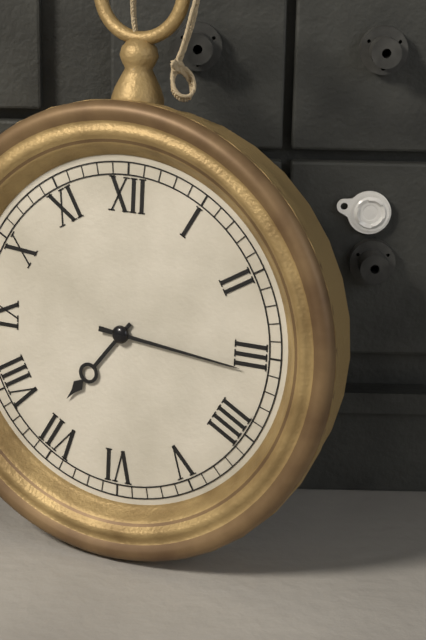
7:16
